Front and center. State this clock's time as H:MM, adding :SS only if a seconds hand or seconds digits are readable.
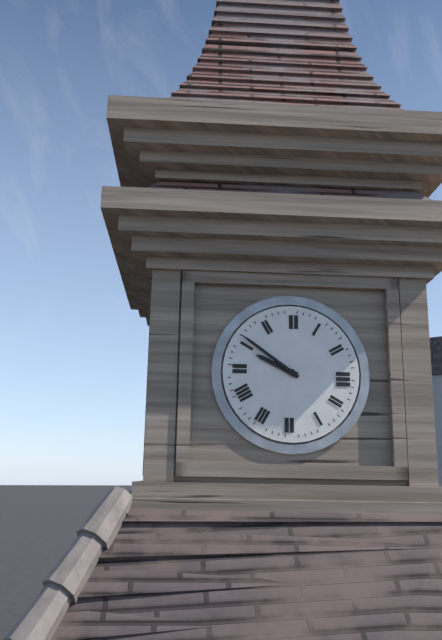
9:51
